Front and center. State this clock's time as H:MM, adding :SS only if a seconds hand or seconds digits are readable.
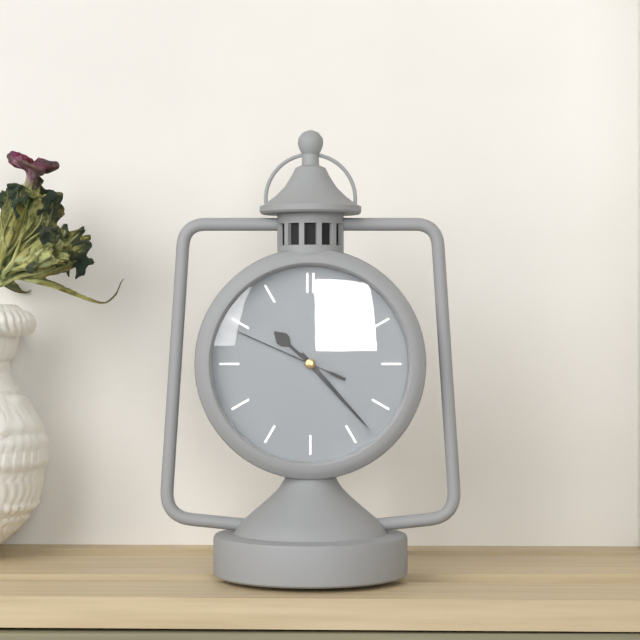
10:23:49
